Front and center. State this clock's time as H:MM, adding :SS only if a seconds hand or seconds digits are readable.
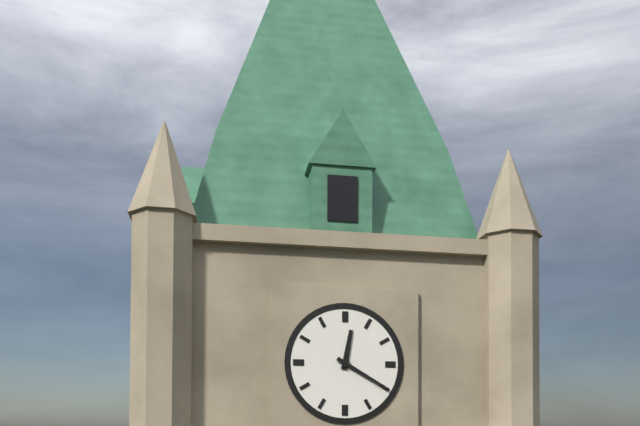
12:20
